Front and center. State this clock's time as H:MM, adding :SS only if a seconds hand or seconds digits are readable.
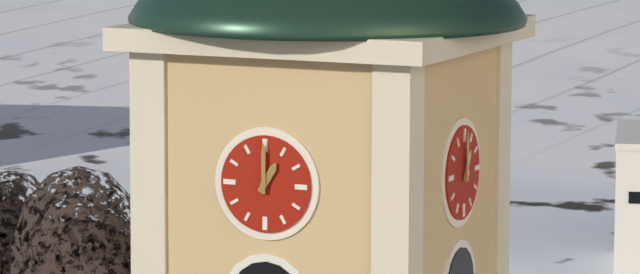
1:00
